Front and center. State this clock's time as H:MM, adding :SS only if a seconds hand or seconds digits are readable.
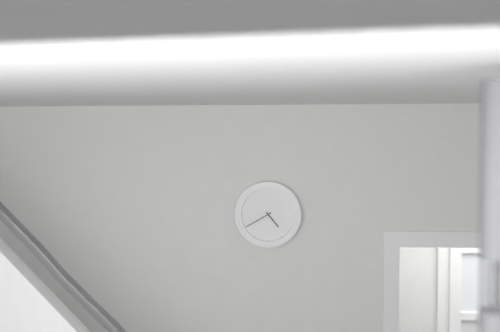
4:40
